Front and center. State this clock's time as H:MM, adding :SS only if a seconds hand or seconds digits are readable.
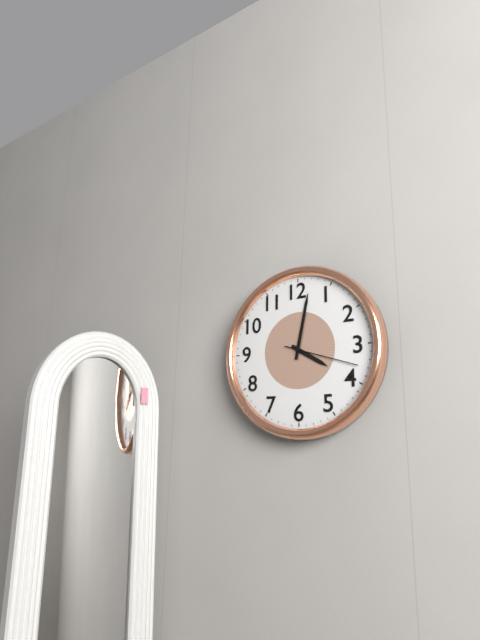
4:02:18
